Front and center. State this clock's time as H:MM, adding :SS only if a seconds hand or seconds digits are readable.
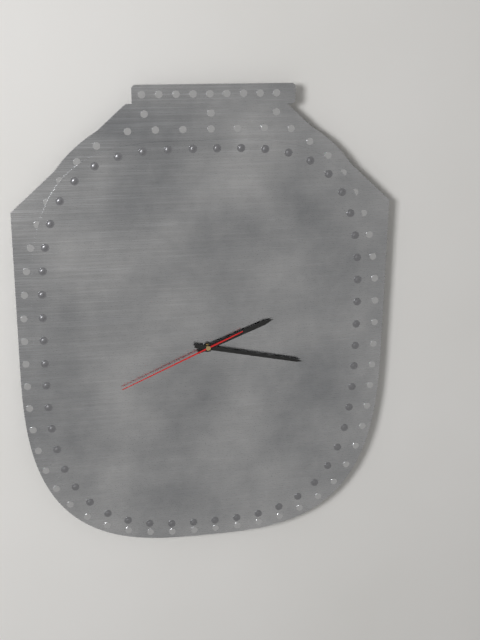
2:17:41
